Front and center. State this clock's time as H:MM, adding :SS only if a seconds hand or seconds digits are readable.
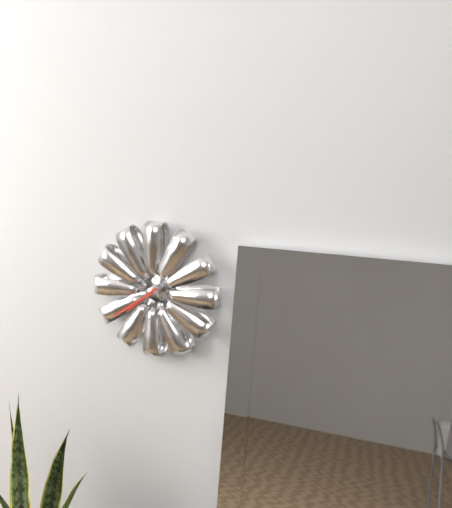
7:39
